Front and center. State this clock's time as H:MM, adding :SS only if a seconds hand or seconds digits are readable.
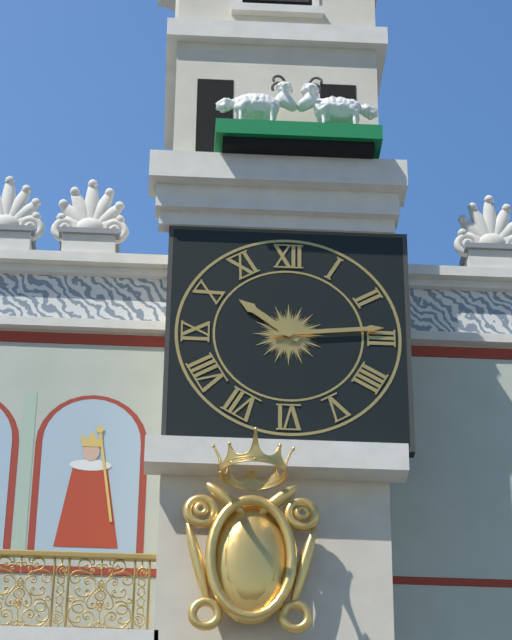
10:14
